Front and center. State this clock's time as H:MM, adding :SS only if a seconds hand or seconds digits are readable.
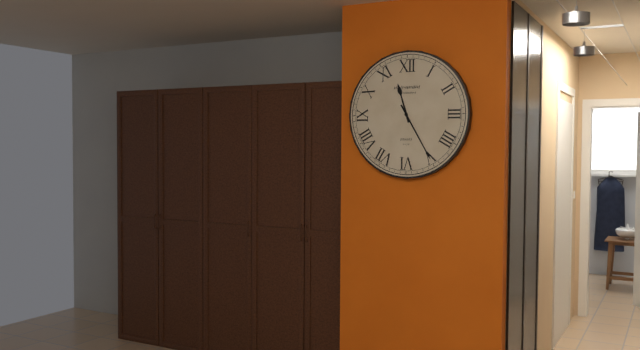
11:25
